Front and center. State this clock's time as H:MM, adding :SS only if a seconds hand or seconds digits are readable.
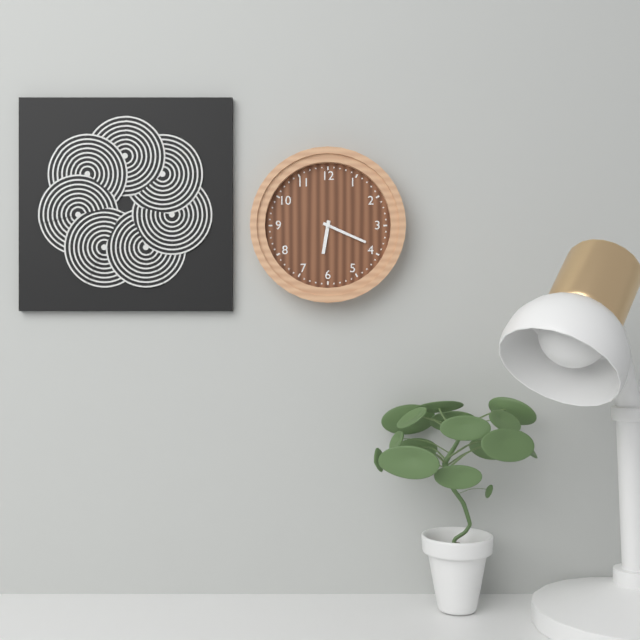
6:19
